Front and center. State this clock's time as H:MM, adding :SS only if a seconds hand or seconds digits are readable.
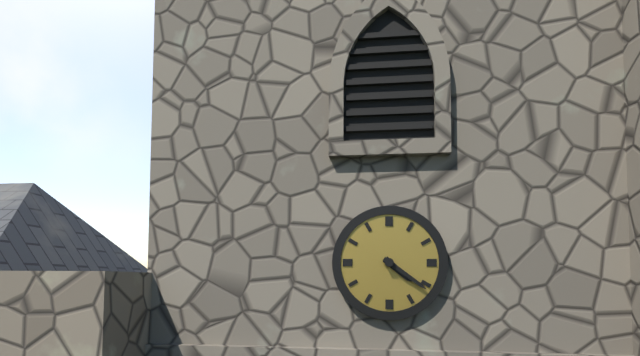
4:21
